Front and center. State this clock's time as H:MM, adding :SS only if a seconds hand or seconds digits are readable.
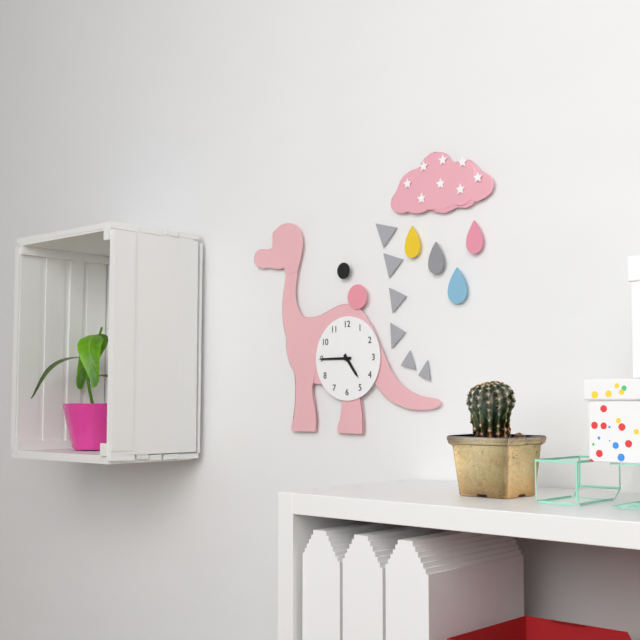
4:45
